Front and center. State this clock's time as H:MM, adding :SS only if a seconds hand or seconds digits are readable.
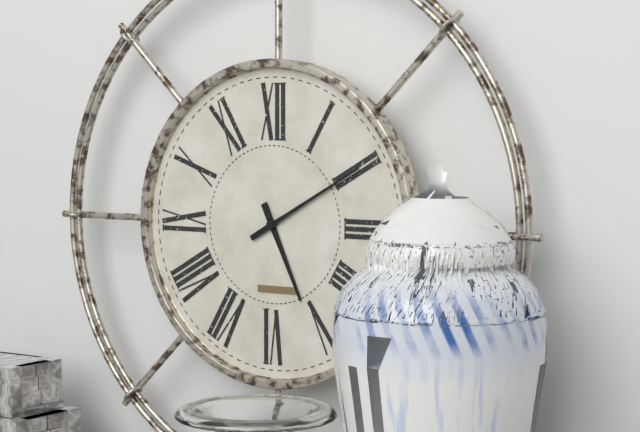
5:10
